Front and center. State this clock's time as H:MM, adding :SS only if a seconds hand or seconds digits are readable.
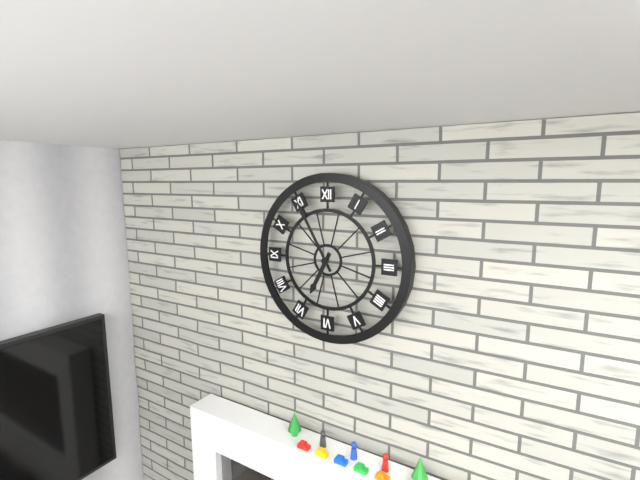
6:55
